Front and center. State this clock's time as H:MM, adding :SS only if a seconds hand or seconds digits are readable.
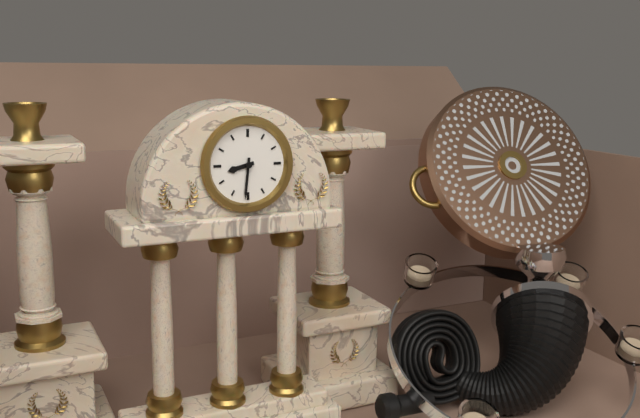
8:31
